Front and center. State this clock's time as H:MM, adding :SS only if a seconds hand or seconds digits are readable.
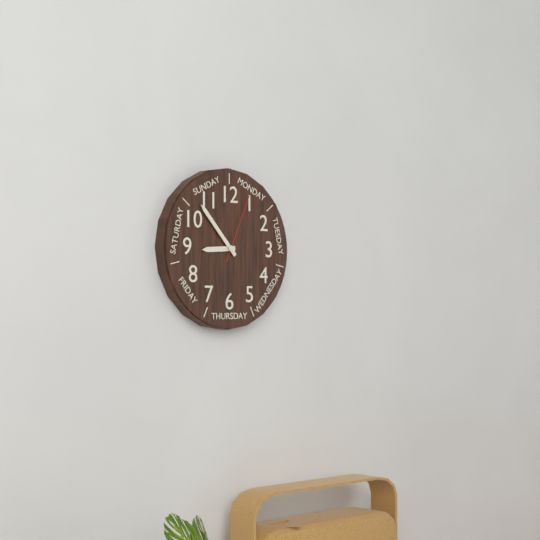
8:53:04
